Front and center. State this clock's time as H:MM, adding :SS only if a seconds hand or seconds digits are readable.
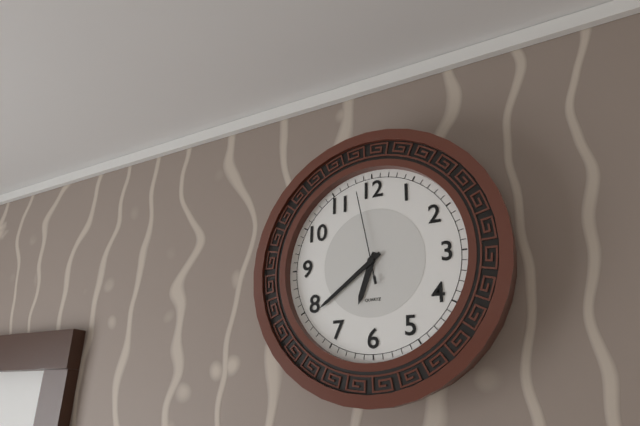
6:39:58
